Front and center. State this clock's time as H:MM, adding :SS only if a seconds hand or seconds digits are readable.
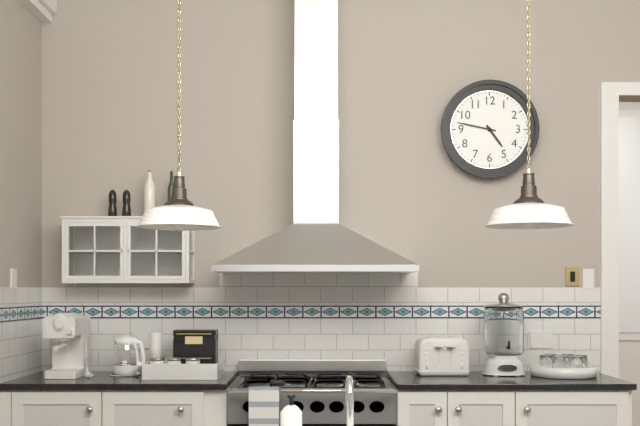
4:47
